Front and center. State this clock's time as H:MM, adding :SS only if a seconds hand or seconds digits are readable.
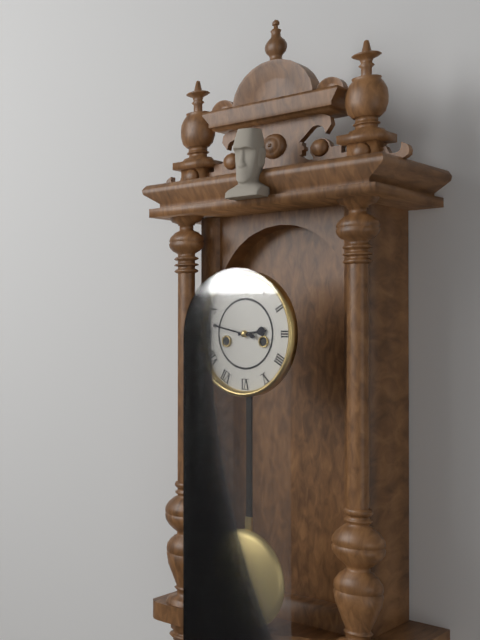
2:47
